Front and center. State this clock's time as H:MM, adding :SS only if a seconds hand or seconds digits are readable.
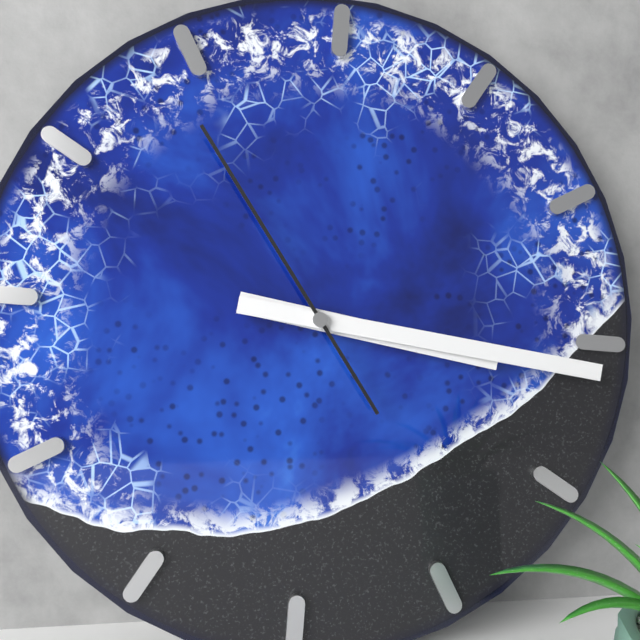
3:16:54
